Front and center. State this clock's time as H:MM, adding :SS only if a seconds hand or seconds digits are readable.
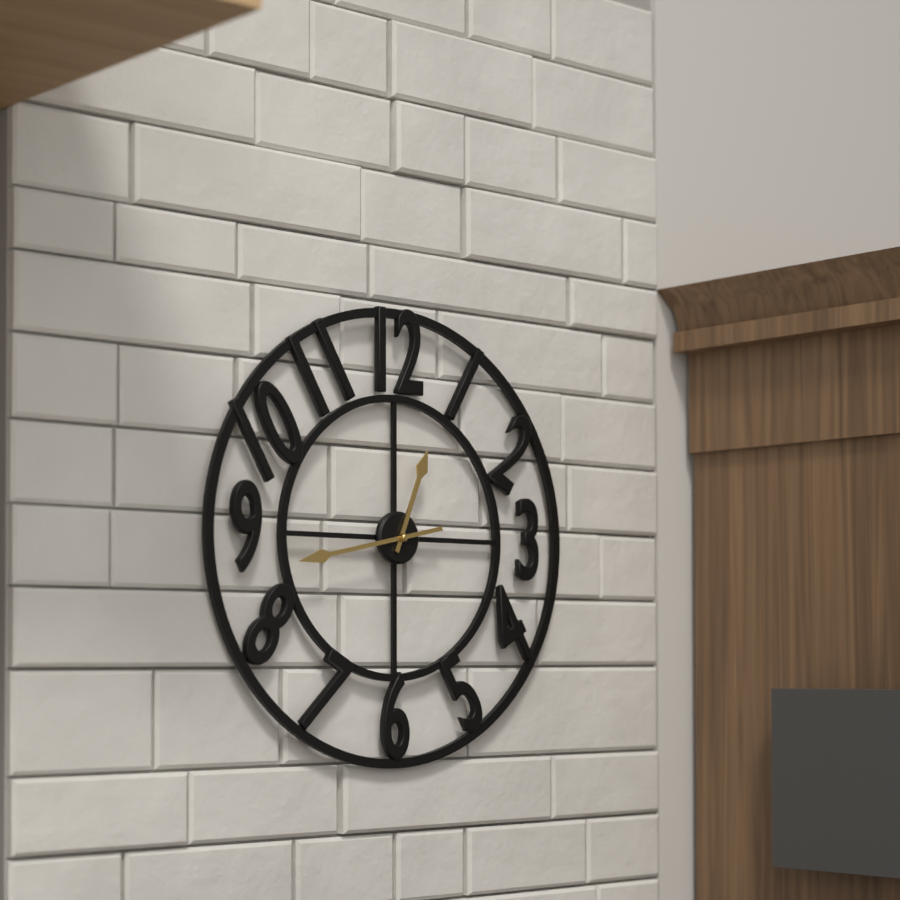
12:43
